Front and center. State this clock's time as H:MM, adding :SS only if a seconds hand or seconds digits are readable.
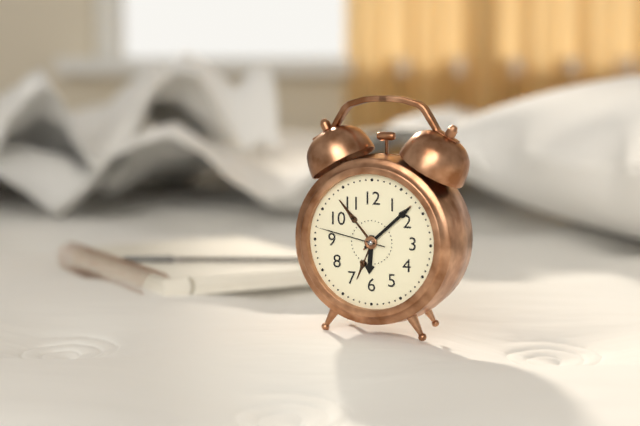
6:08:47
